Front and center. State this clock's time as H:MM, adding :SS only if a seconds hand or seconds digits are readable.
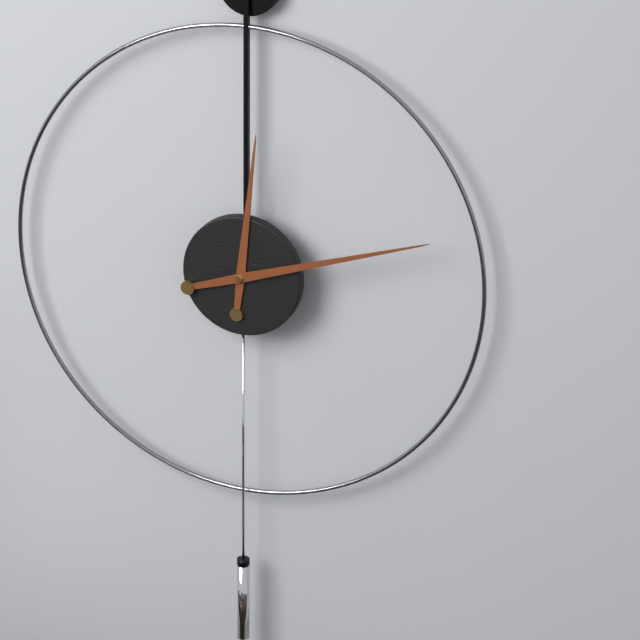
12:12
